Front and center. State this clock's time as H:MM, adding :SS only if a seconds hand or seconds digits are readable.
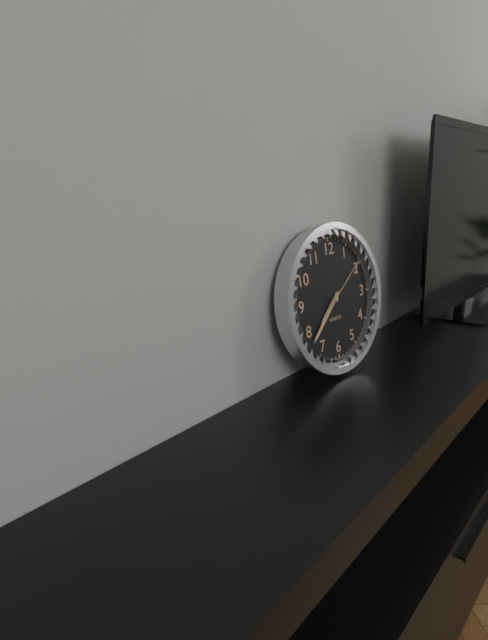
7:38:09
